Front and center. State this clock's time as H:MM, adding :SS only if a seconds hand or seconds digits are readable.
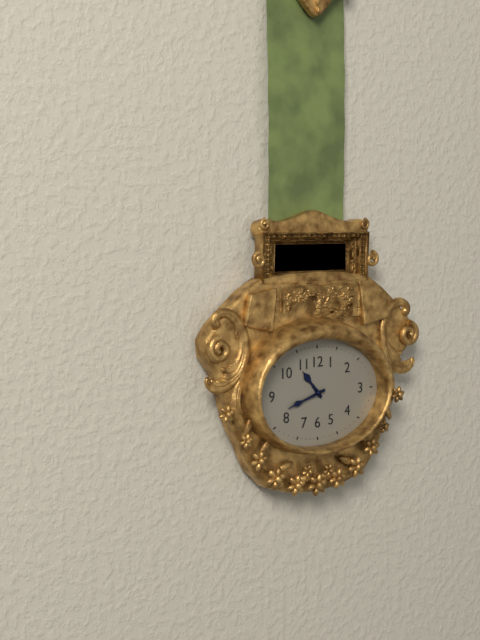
10:42
